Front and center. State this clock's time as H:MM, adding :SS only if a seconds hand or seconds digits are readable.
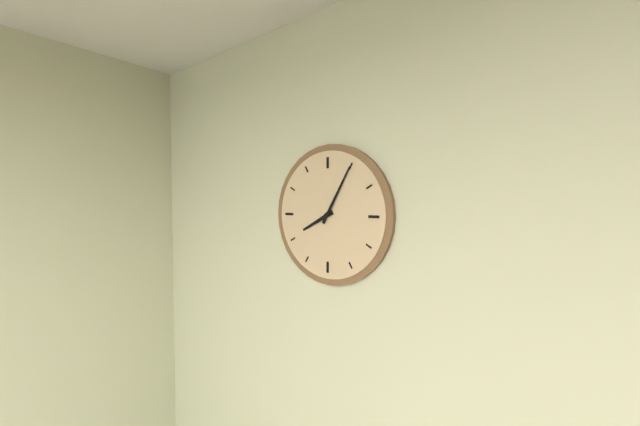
8:05
